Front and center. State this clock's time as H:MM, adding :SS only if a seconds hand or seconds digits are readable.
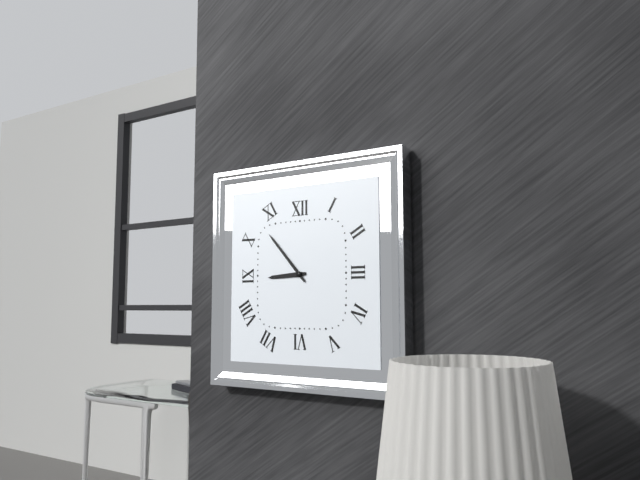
8:53
